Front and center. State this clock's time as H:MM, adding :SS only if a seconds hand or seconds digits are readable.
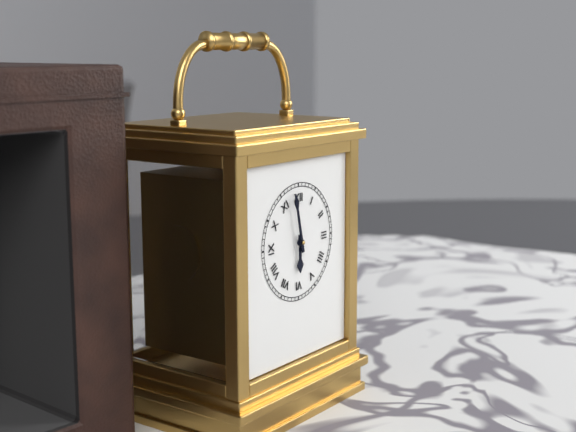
5:58
